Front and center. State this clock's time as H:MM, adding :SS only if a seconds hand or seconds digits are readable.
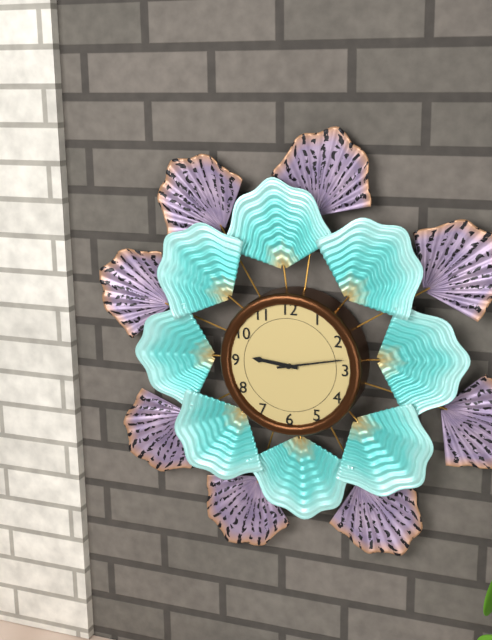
9:13
